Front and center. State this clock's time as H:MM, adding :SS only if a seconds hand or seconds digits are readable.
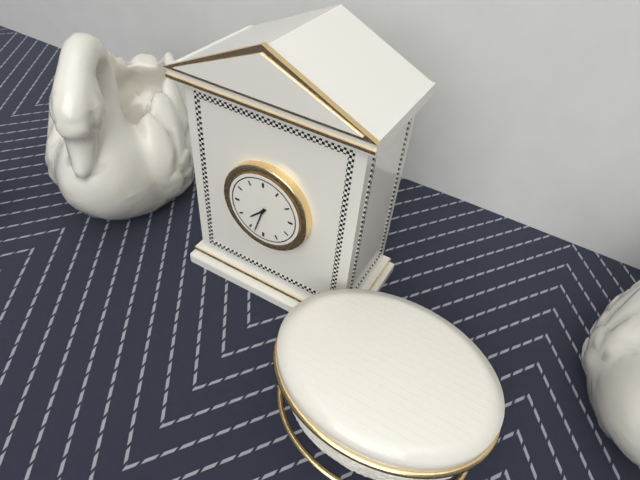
7:33
